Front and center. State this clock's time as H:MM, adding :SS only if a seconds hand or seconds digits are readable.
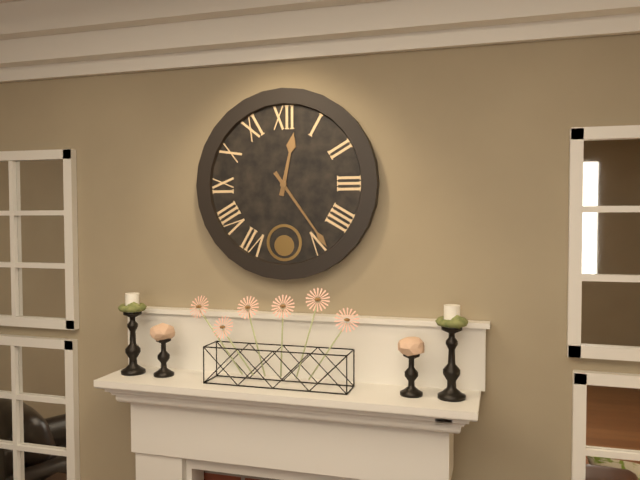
12:24
